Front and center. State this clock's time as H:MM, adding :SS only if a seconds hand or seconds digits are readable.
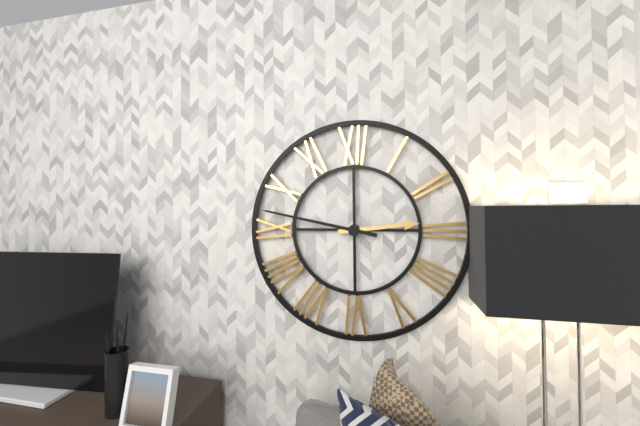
2:47
